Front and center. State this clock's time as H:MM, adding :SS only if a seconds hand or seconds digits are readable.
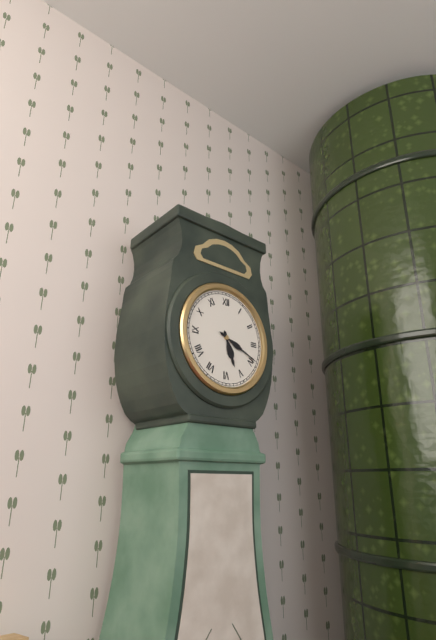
5:19
